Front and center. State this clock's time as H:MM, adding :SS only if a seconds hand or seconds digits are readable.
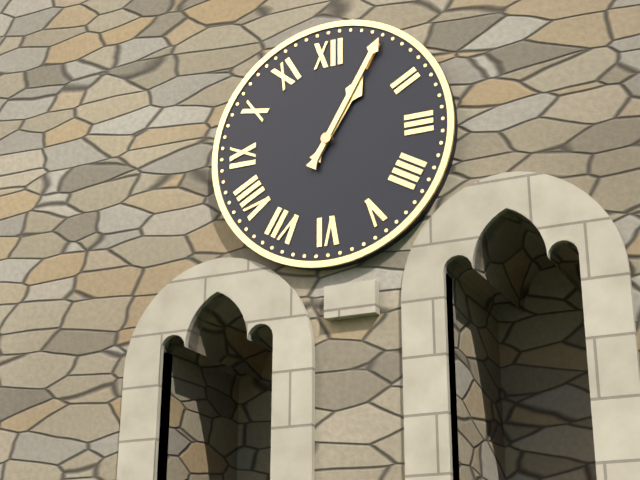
1:05
